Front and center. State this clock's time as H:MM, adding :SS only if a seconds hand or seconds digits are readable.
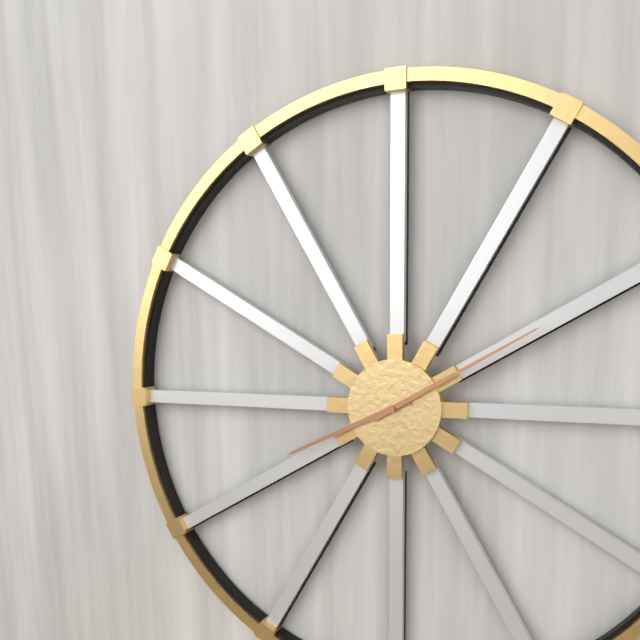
8:10
